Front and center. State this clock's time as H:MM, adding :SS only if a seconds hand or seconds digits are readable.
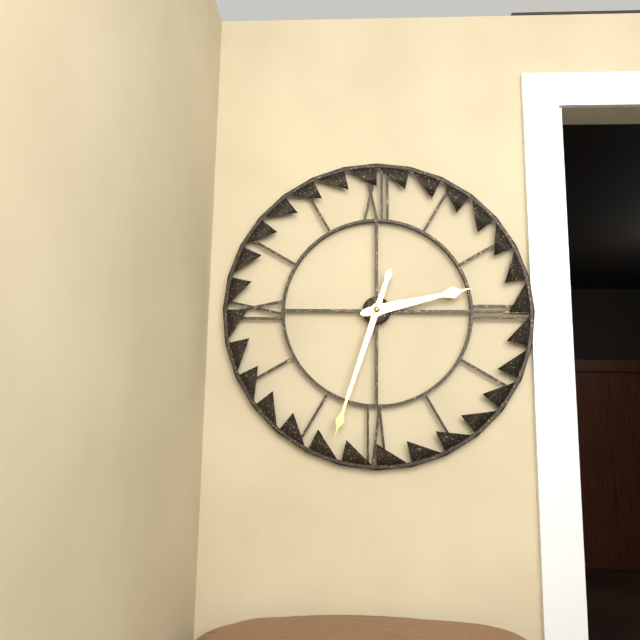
2:33
